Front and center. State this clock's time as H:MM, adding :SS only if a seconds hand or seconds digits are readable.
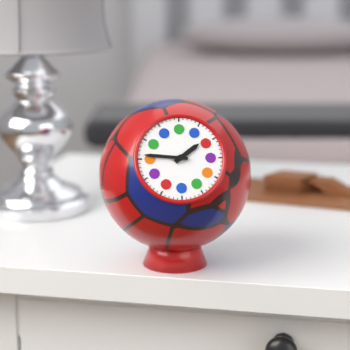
1:46
